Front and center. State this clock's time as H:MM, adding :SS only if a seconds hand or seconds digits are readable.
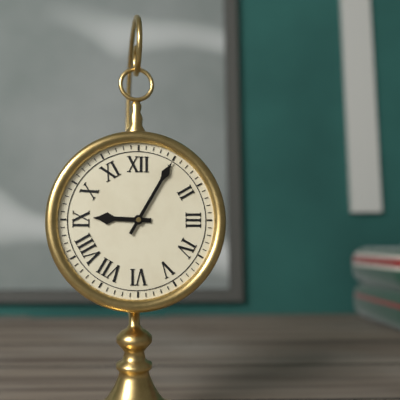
9:05
